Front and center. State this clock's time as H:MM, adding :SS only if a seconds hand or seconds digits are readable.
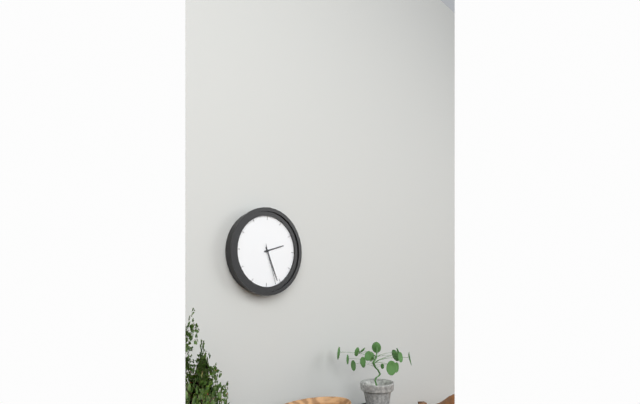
2:26
